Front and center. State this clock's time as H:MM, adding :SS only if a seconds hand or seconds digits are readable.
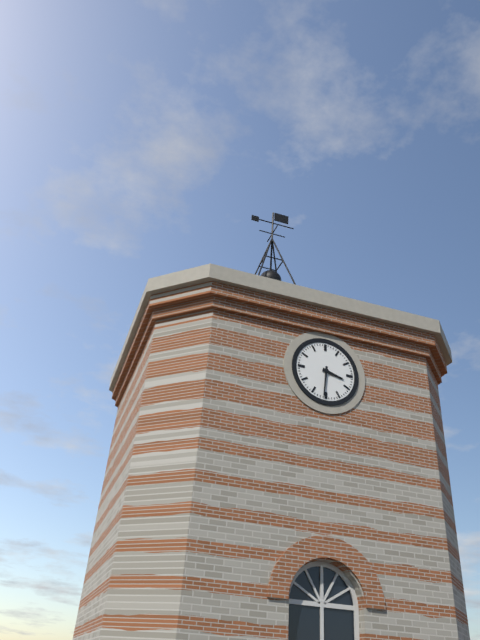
3:31
